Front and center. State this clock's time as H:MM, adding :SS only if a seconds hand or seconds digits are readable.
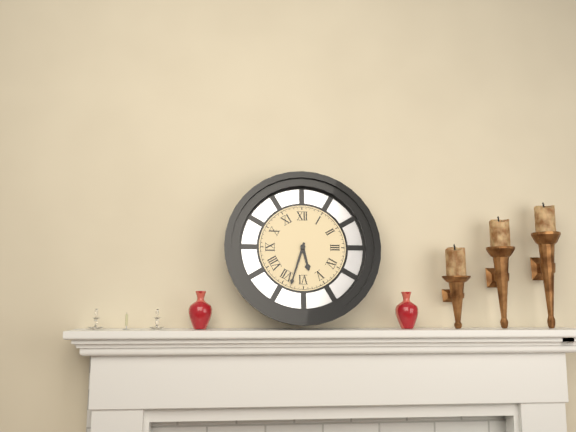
5:33
